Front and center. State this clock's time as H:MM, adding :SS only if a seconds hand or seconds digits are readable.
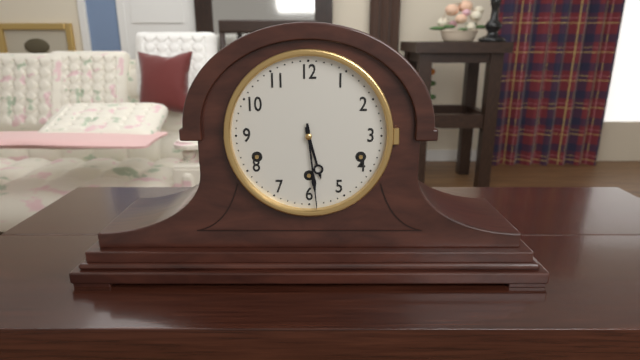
5:29
